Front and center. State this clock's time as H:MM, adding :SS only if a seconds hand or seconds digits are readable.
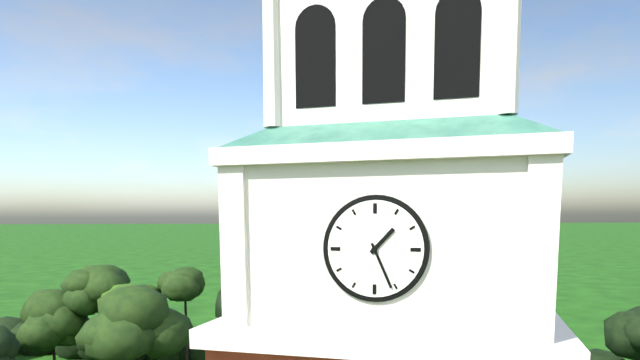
1:26
